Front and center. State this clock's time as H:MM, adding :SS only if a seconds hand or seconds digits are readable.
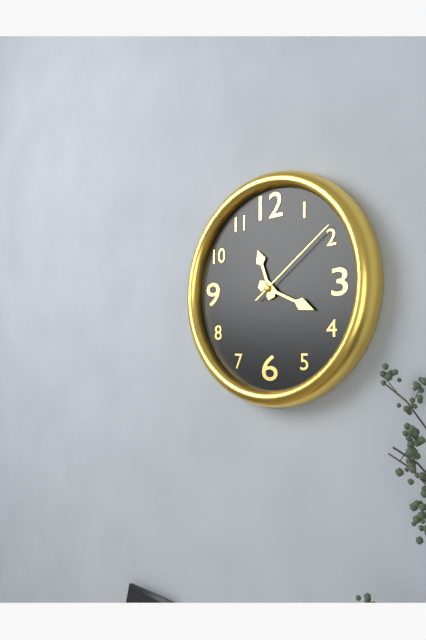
11:19:09
